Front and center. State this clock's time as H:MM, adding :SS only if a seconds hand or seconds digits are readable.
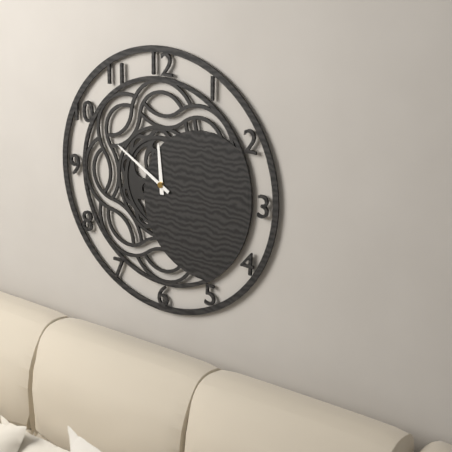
11:50
